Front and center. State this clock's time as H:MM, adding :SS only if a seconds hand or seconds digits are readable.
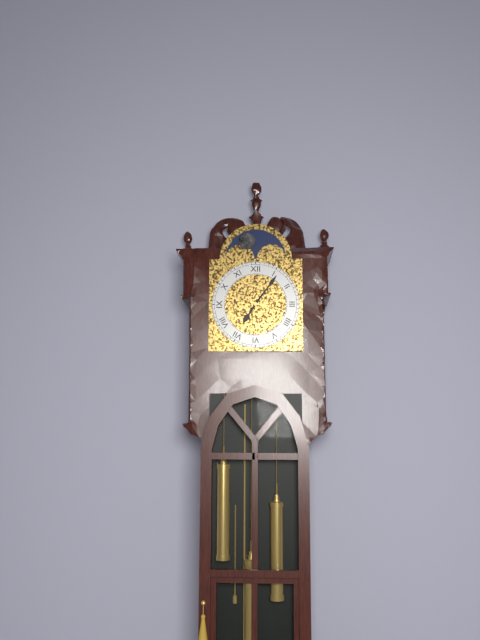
7:06
